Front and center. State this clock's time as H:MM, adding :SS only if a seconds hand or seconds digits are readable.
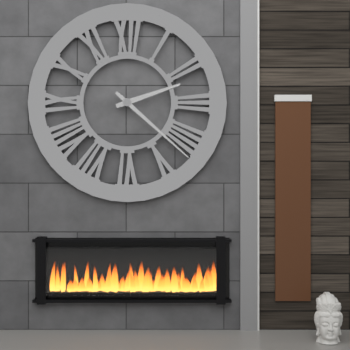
2:22
